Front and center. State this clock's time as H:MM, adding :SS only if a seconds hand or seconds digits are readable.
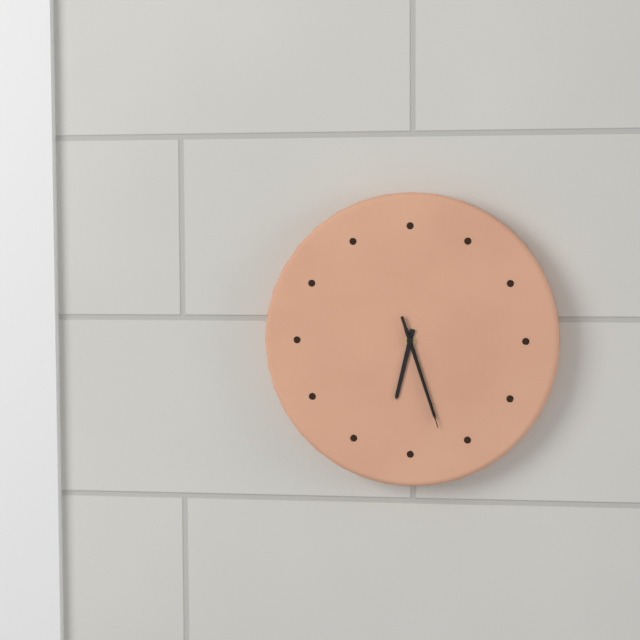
6:27:27
